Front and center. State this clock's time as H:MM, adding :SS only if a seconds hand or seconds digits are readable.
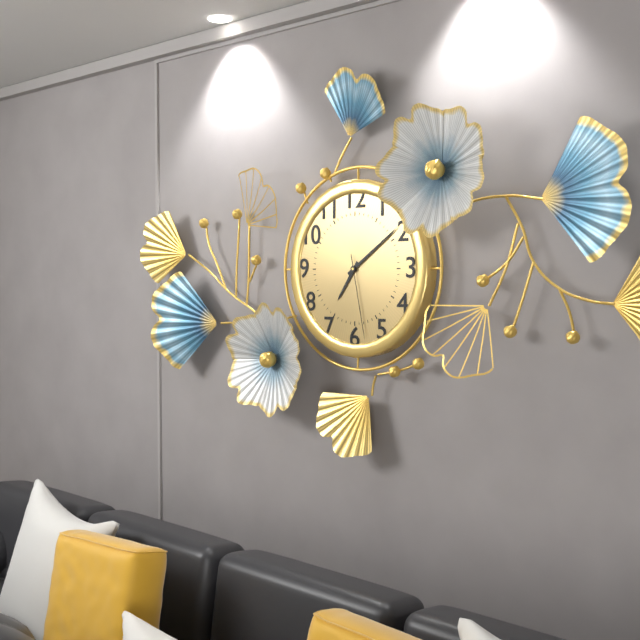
7:09:28
